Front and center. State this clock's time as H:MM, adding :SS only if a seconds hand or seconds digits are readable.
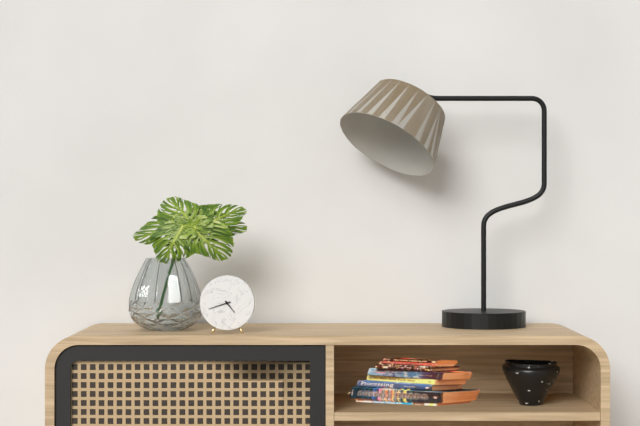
4:42
